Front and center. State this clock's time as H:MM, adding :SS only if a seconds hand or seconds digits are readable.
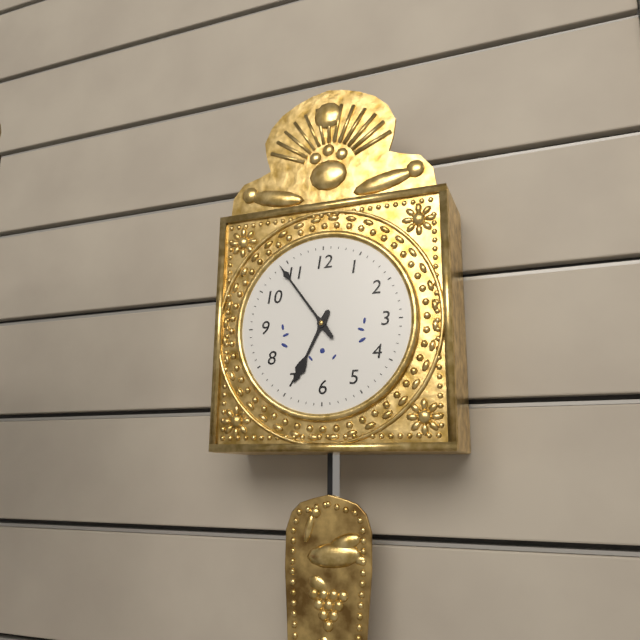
6:54
